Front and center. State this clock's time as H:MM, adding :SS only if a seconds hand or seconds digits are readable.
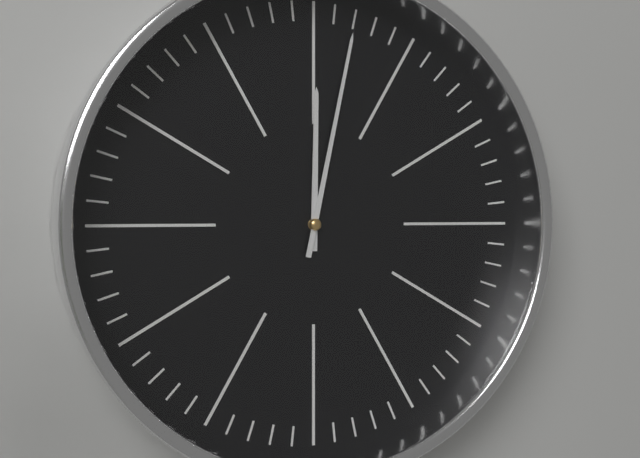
12:02
